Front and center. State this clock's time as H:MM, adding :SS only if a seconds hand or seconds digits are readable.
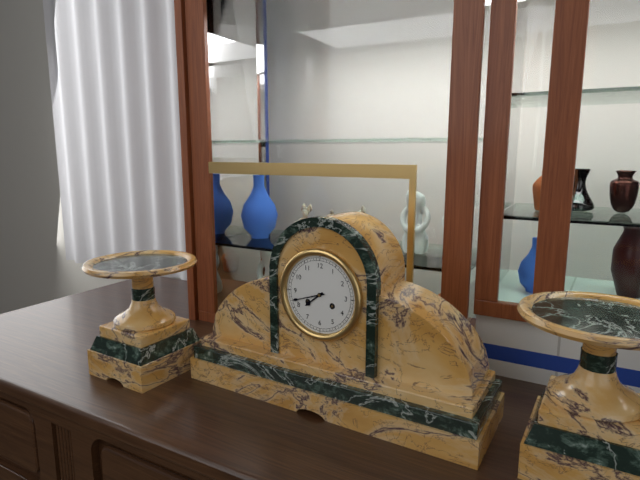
7:42
